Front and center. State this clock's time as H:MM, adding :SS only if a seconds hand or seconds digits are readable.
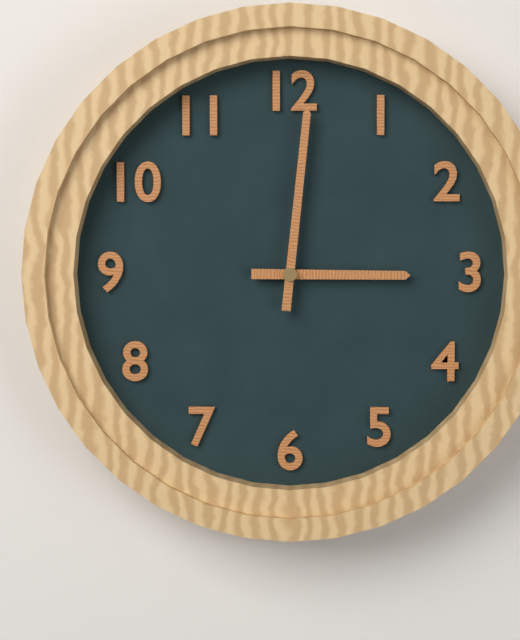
3:01
